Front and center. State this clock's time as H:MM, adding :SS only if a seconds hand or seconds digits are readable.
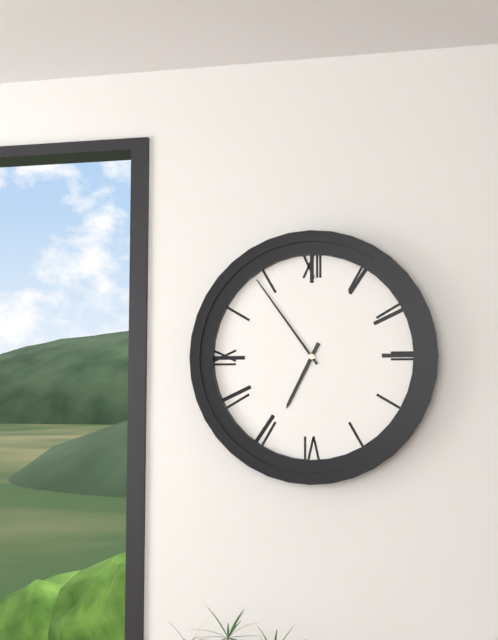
6:54
